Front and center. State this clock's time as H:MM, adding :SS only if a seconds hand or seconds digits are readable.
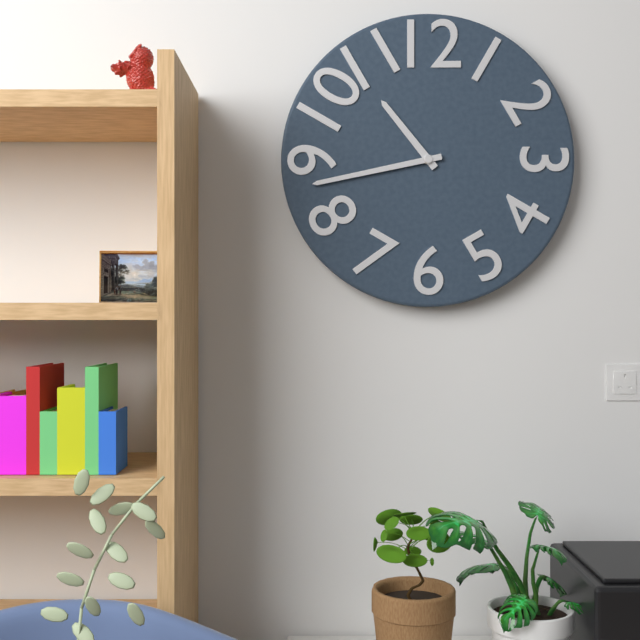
10:43
